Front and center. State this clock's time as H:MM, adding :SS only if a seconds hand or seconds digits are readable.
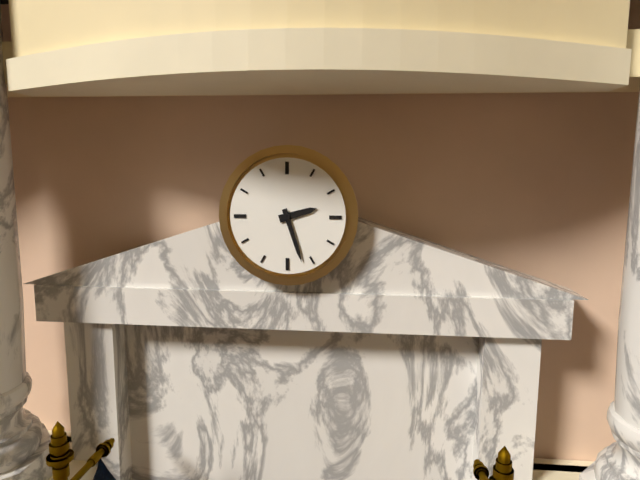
2:27
